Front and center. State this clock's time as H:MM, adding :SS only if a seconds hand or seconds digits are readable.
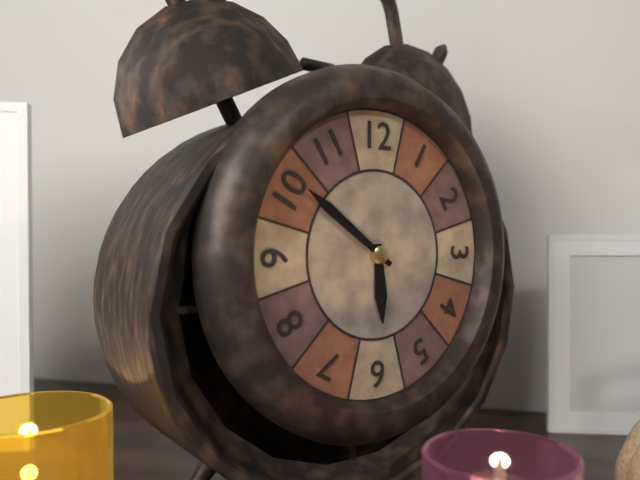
5:51
